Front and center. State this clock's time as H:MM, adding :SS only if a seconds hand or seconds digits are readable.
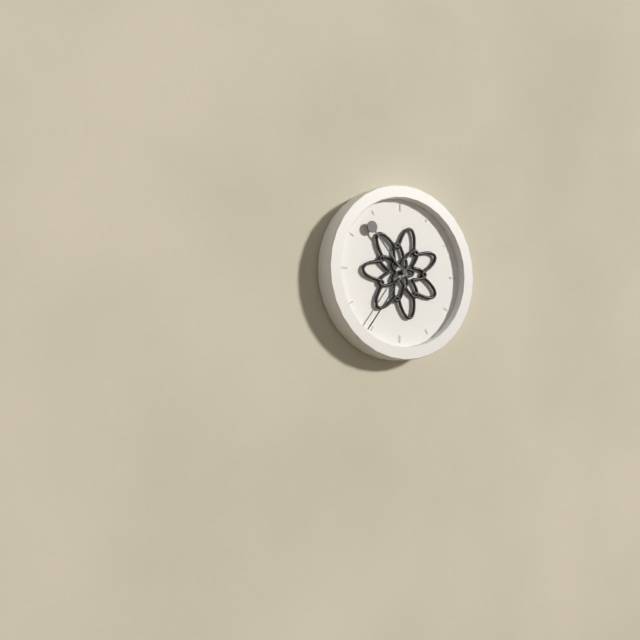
10:36
